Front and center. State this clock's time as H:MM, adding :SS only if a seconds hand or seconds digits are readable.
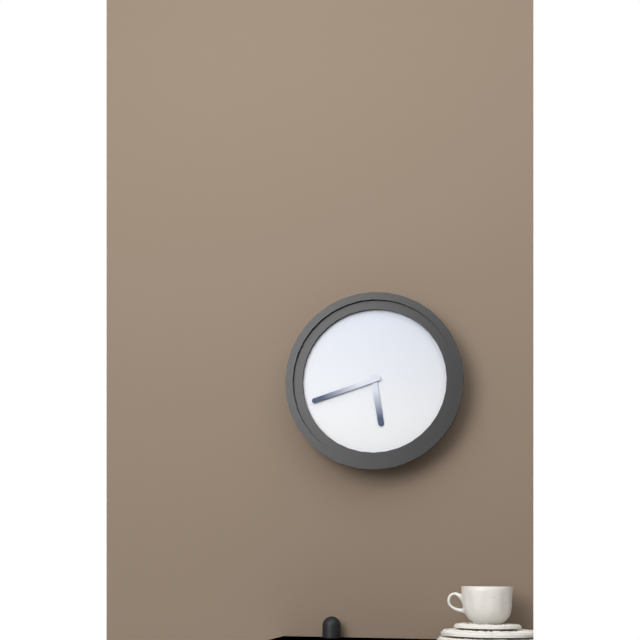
5:42
